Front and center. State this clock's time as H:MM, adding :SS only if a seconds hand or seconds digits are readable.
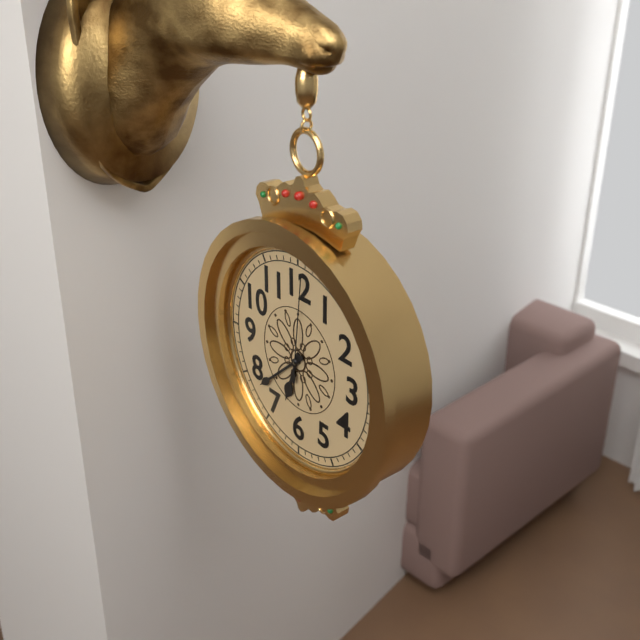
6:38:01
